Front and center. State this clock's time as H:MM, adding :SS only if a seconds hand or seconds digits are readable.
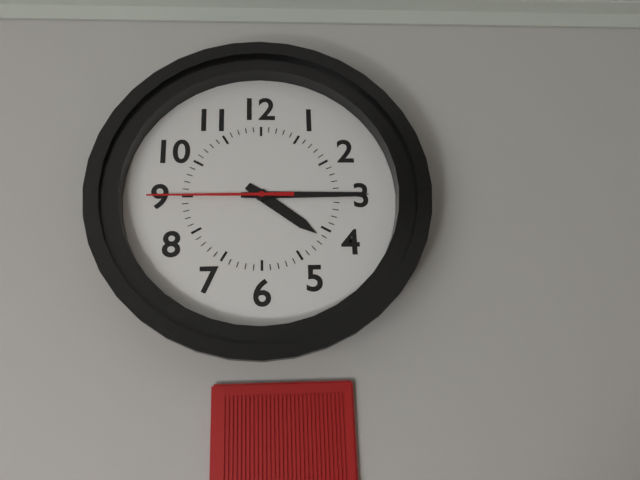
4:15:45
